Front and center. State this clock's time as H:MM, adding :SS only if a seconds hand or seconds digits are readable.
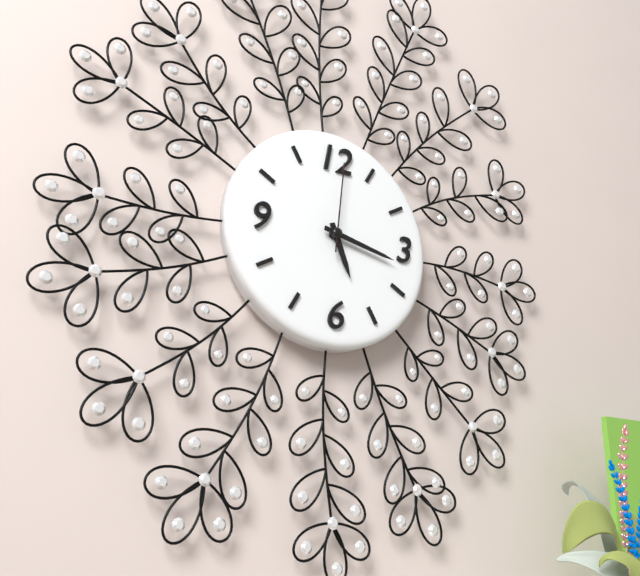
5:17:01
